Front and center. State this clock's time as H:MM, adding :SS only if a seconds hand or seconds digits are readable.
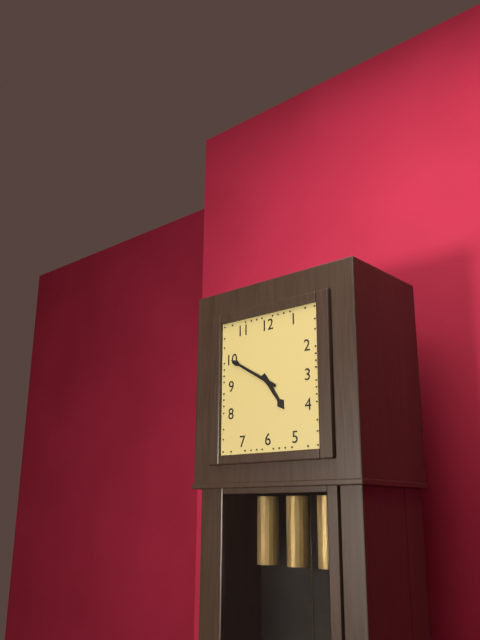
4:50
